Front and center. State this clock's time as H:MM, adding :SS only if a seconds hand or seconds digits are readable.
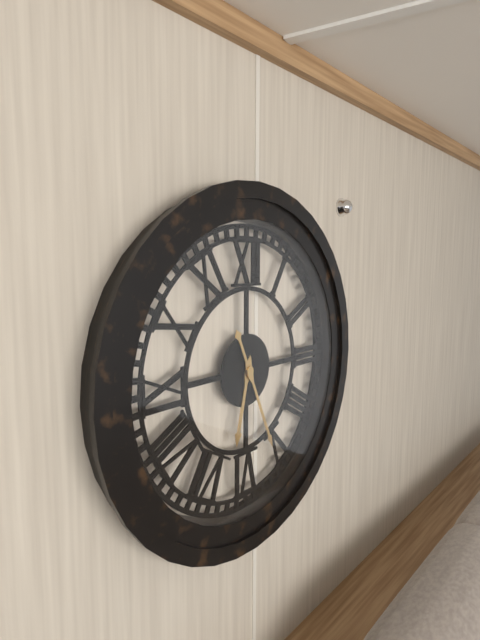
6:26
